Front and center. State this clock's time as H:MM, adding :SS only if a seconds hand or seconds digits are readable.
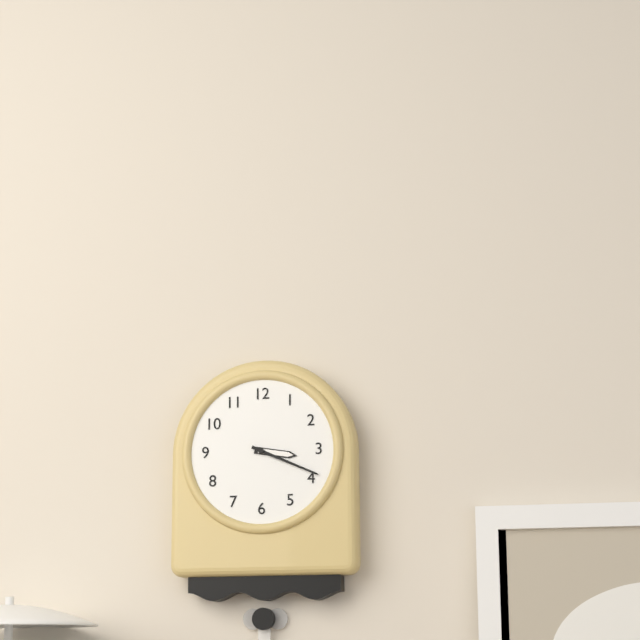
3:19
